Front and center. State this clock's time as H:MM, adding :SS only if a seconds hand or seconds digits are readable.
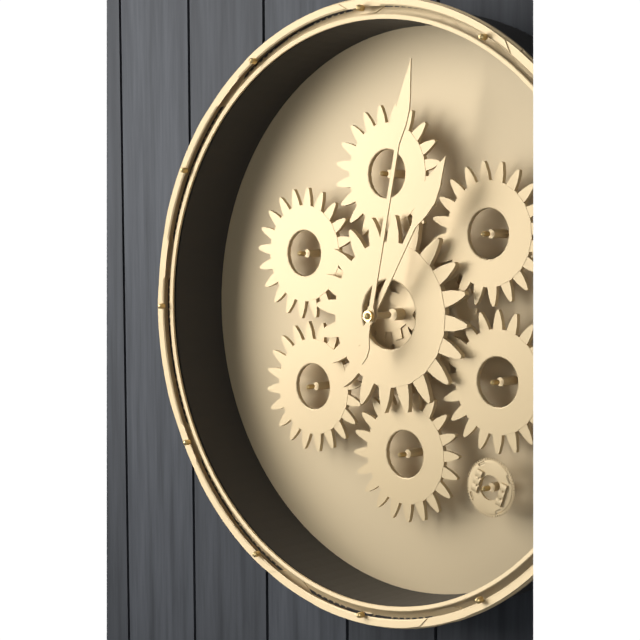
1:02
